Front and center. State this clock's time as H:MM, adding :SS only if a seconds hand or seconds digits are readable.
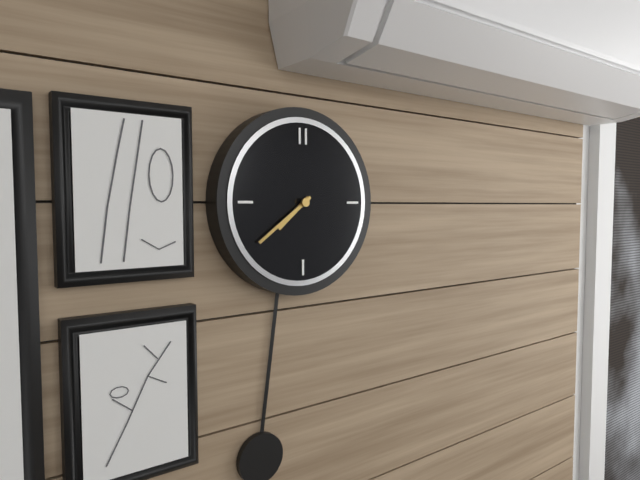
7:39
